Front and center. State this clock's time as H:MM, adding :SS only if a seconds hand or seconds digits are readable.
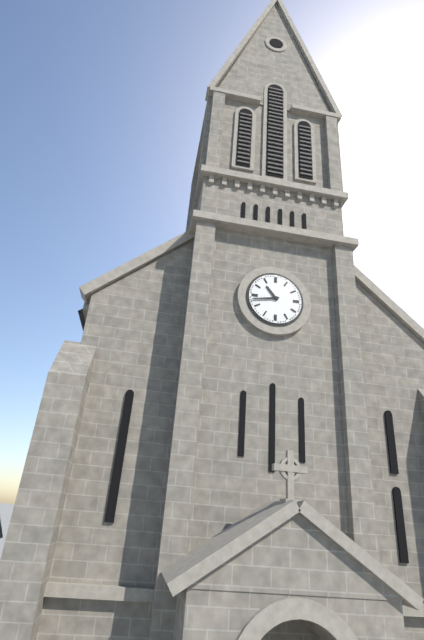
10:43
